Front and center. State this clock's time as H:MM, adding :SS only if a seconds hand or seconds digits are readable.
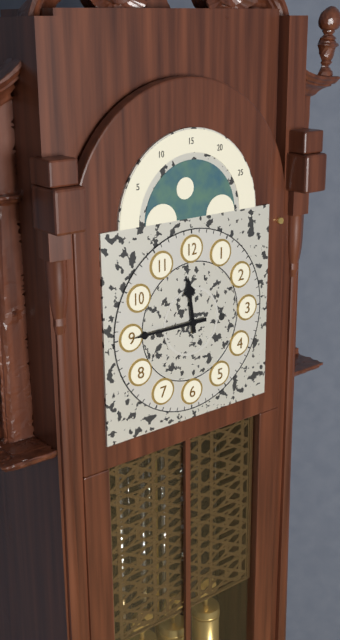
11:45
